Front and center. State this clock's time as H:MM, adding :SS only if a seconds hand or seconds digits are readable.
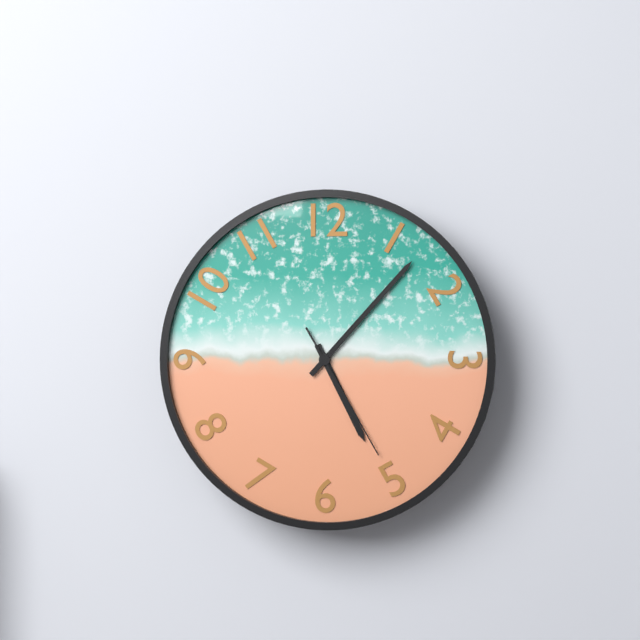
5:07:25
